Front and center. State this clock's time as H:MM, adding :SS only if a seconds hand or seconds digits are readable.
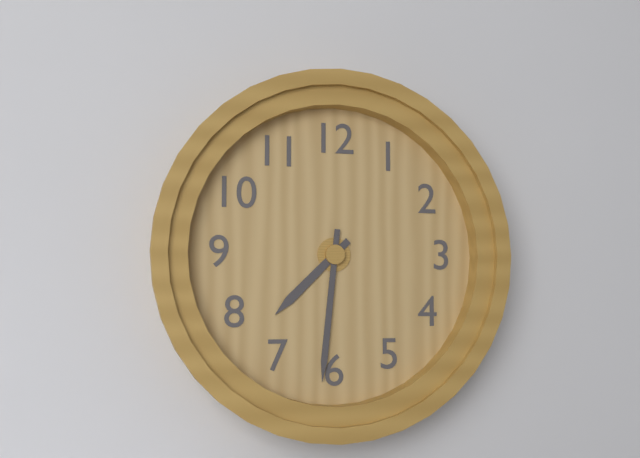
7:31
